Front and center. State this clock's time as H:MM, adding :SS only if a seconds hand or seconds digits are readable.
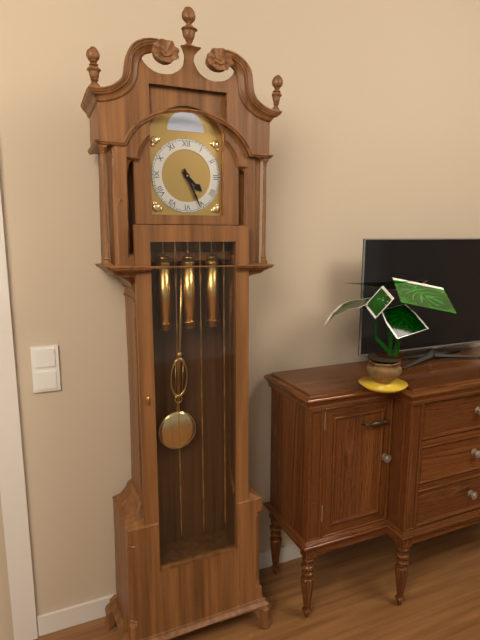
4:26
